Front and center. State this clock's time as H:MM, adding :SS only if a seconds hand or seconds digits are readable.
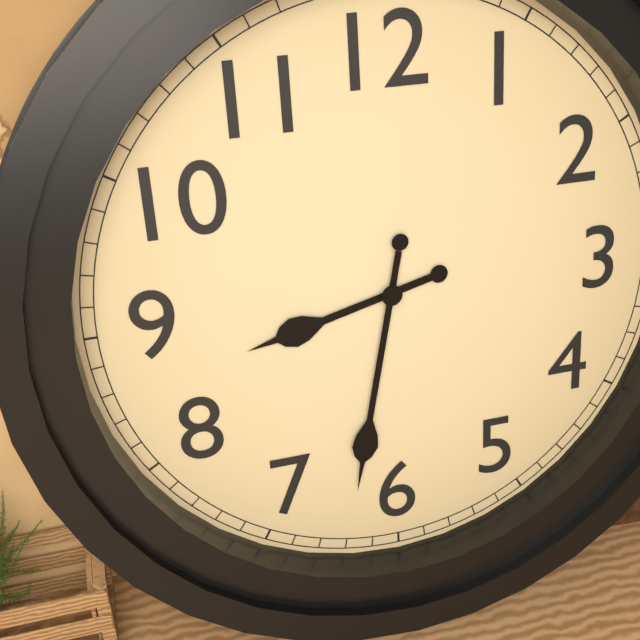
8:32
